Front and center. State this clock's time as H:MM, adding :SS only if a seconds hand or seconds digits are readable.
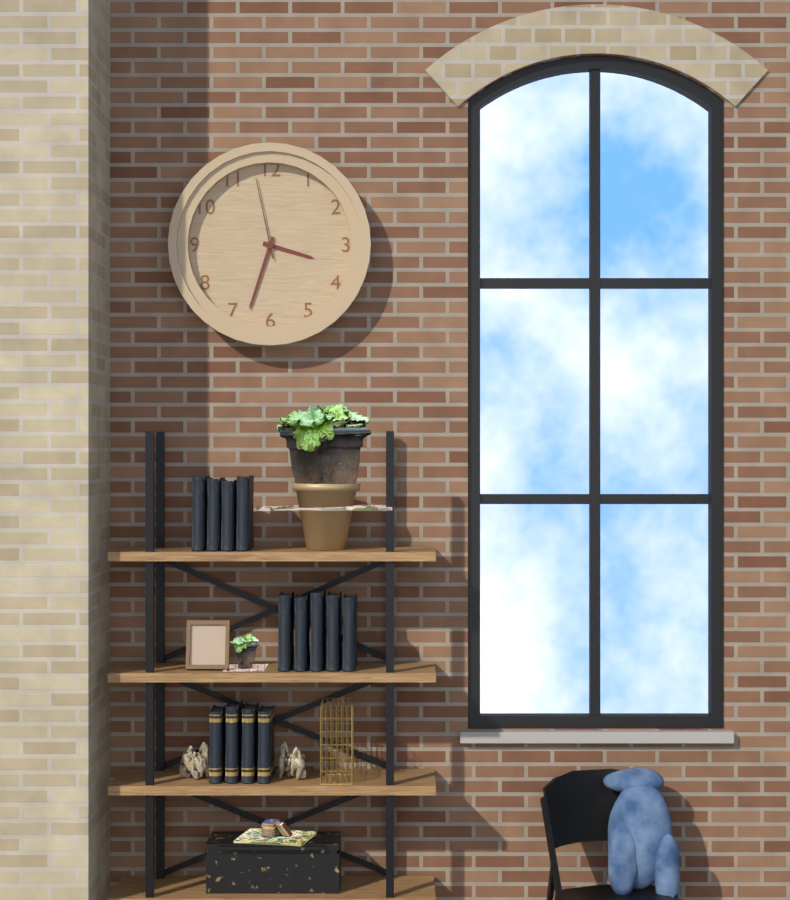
3:33:58
